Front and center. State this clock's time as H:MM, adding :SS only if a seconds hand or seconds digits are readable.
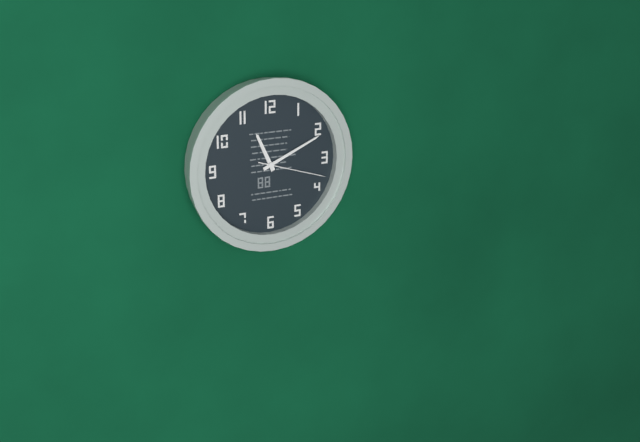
11:11:18
